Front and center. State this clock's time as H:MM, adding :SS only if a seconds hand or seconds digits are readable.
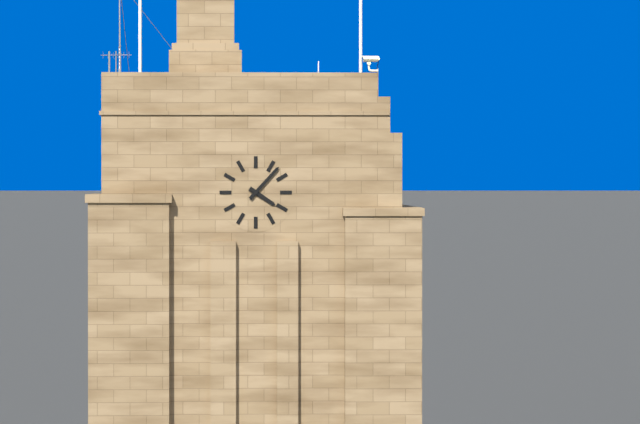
4:07
